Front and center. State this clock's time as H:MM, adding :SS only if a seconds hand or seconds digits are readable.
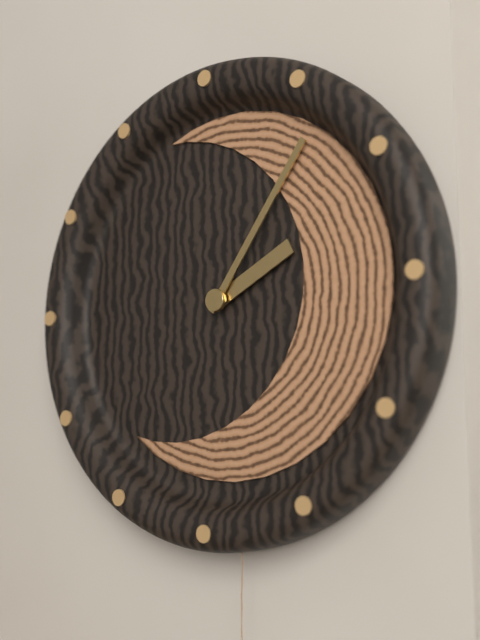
2:06
